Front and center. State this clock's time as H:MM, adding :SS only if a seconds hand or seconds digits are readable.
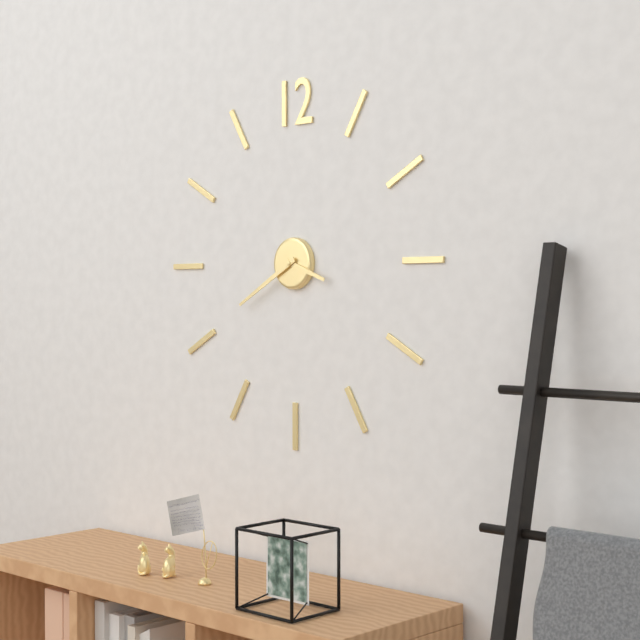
3:40
